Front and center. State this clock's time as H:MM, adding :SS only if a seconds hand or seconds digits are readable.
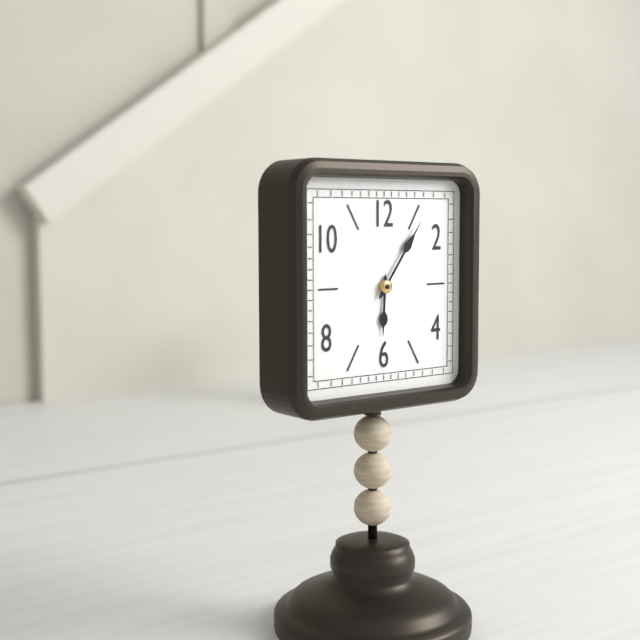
6:06
